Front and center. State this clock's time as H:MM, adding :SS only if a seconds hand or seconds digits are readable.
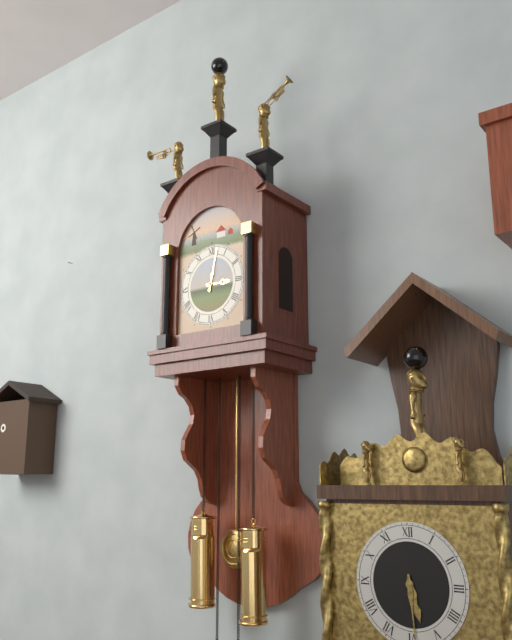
3:02
